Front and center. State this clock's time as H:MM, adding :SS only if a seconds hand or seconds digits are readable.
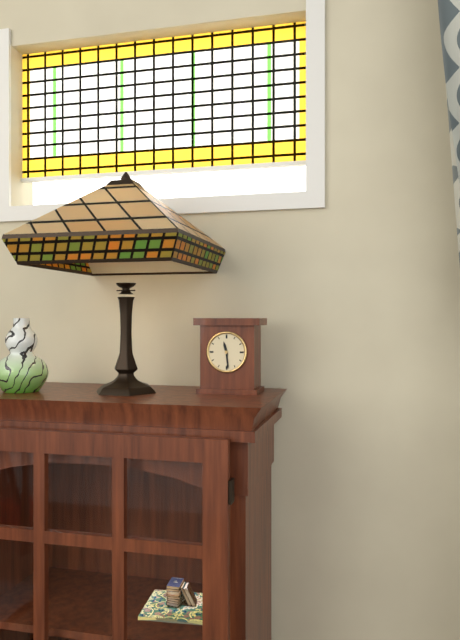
11:29
